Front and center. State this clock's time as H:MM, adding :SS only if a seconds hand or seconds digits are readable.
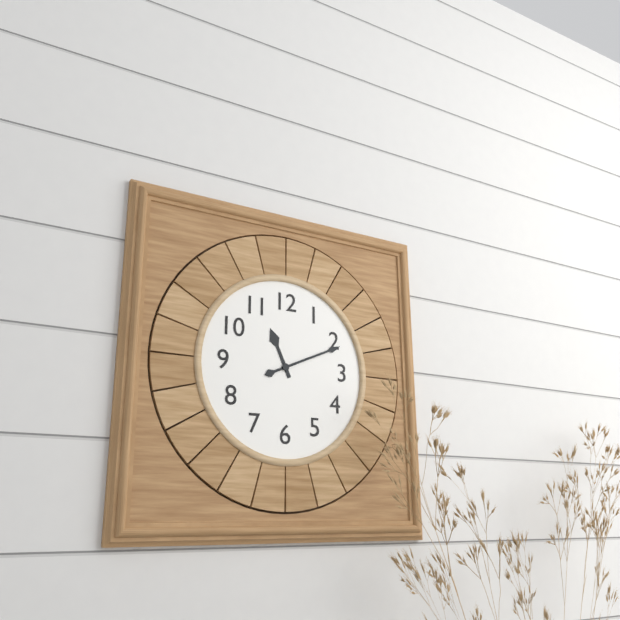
11:11
